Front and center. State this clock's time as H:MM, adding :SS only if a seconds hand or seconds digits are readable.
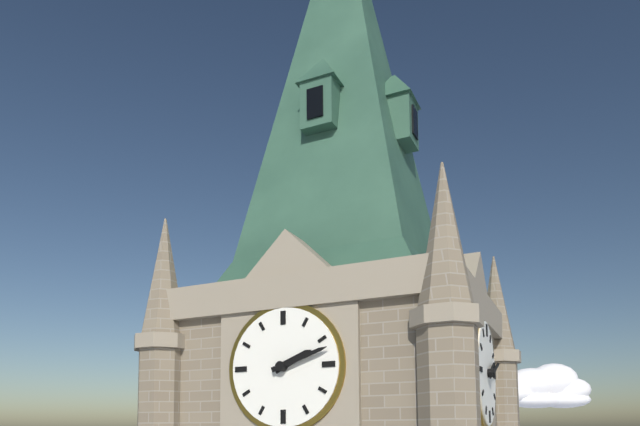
2:12
